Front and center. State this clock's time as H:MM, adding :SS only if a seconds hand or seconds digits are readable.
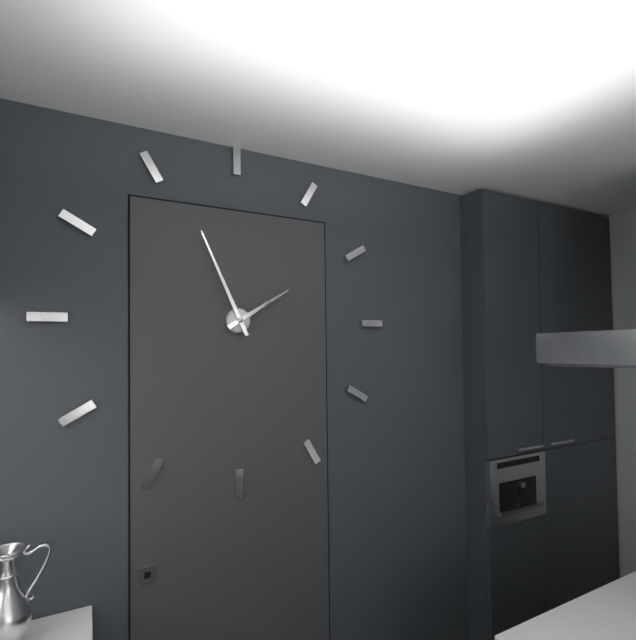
1:56
